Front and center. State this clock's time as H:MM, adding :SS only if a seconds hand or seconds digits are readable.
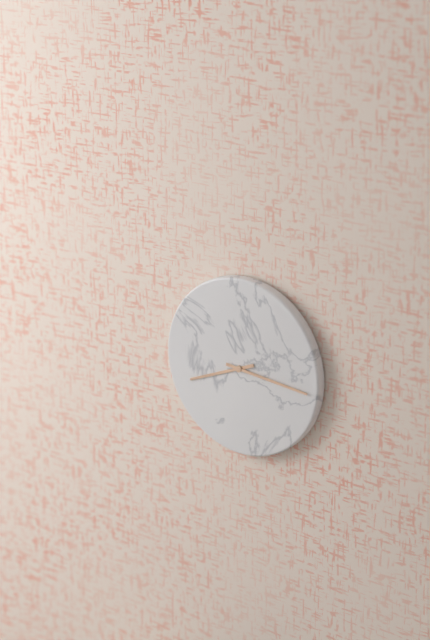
8:16
